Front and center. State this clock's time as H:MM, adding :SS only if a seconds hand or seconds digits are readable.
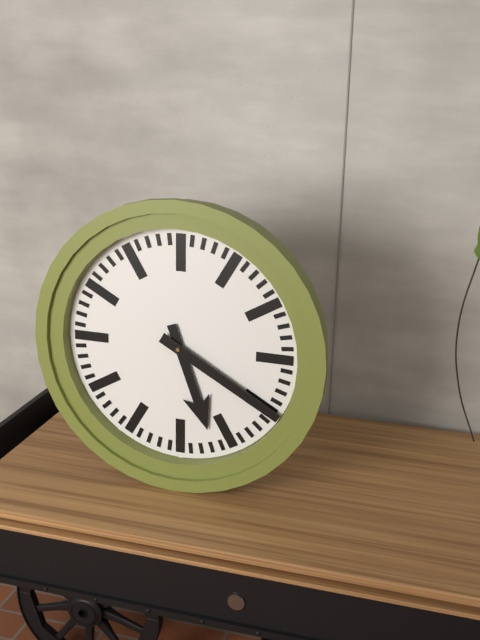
5:20
